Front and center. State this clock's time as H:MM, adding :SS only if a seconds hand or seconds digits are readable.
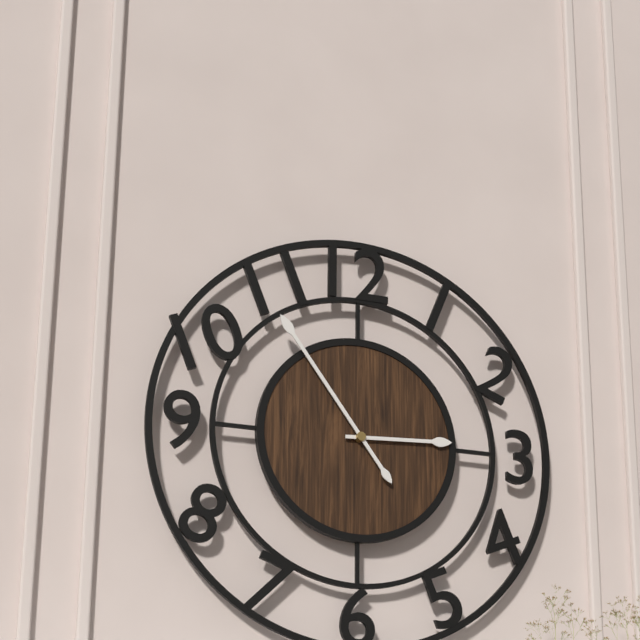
2:54
